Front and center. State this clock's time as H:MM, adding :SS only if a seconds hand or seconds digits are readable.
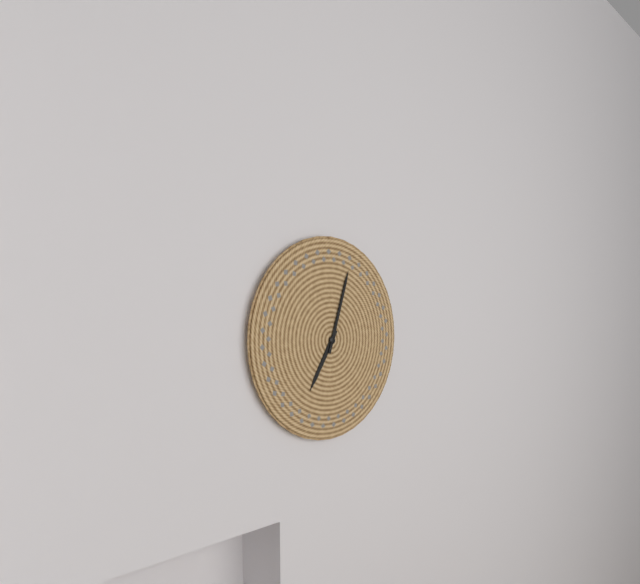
7:03
